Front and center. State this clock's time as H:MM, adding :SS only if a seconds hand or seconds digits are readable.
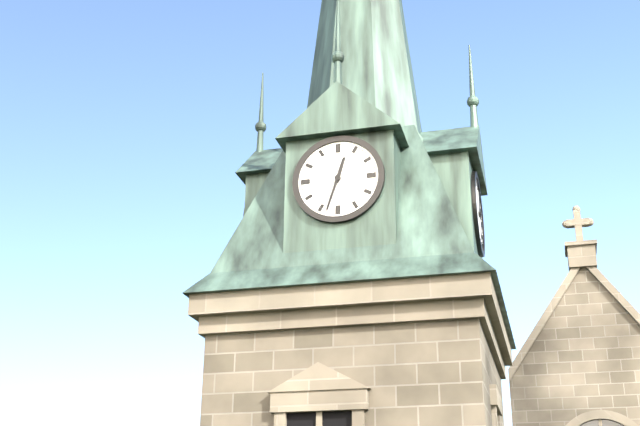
12:33
